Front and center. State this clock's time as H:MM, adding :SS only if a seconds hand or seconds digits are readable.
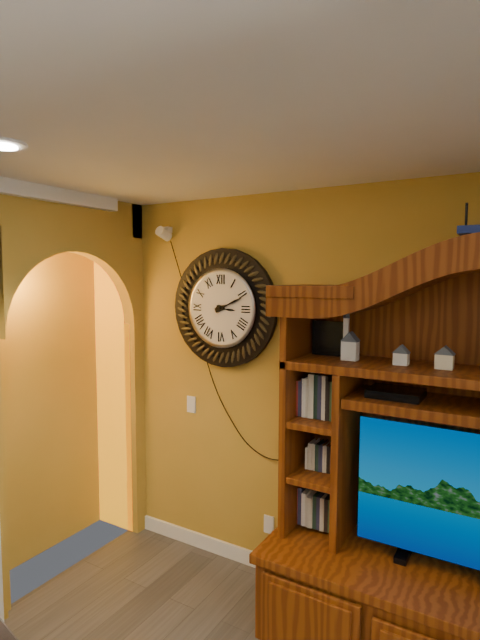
3:11
